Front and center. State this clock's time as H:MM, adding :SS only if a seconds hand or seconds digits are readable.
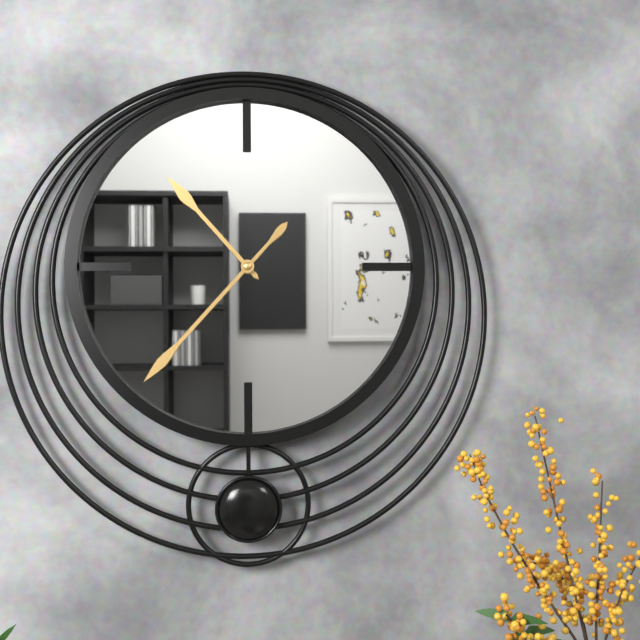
10:37
